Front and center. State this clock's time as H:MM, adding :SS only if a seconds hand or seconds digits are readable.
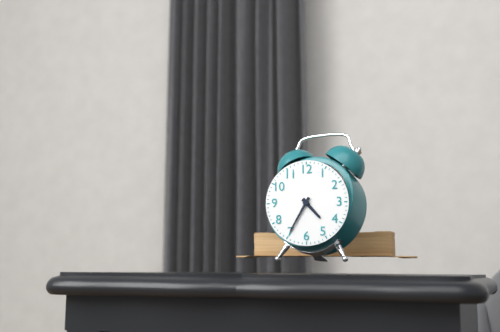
4:35
